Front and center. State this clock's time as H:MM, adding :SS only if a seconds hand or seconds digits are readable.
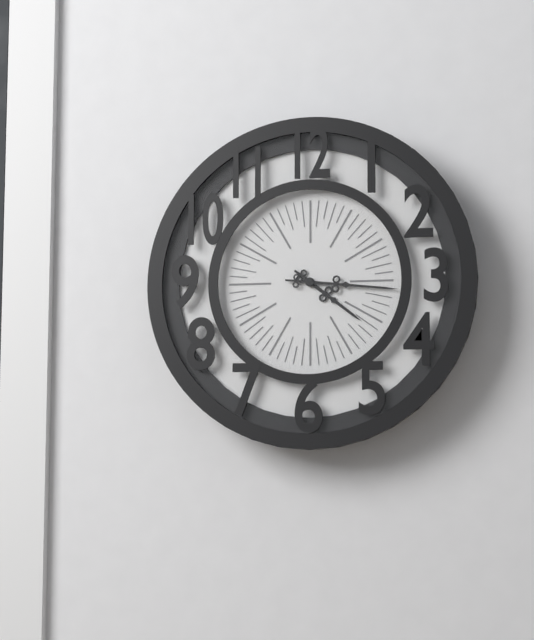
4:16
